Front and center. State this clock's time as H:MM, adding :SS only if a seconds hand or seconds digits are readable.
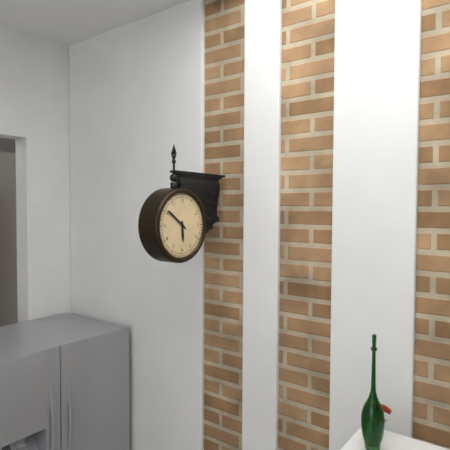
5:51
